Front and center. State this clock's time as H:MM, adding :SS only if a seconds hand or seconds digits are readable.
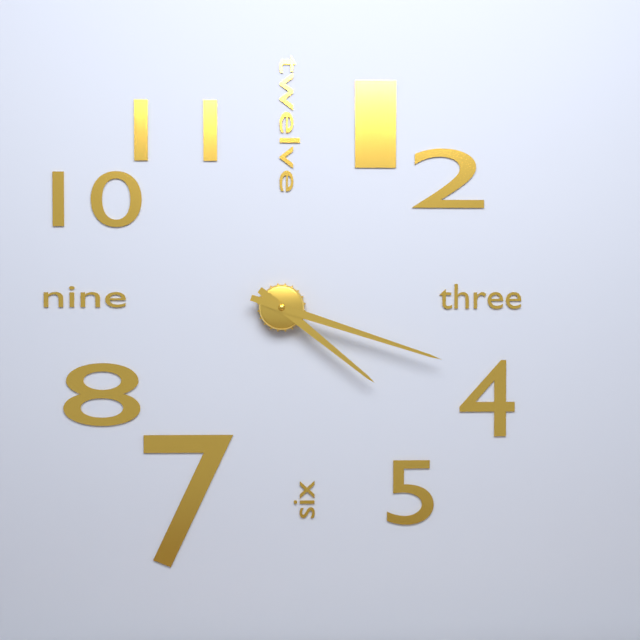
4:18
